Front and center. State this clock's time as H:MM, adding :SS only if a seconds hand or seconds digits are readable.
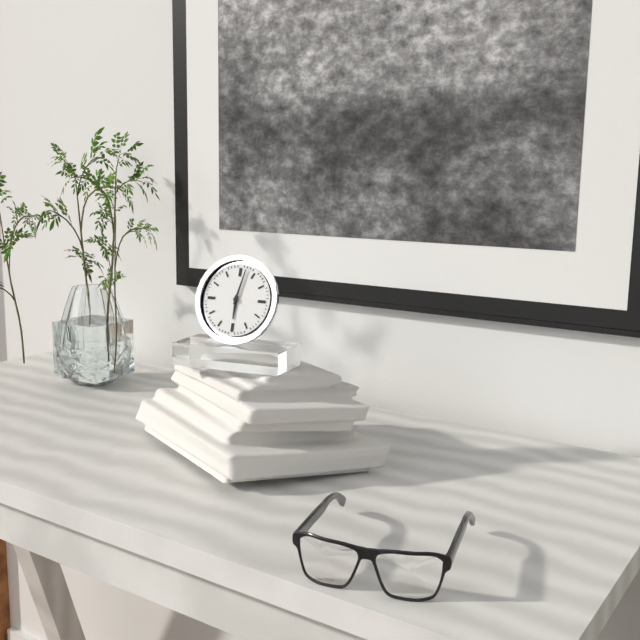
6:02
